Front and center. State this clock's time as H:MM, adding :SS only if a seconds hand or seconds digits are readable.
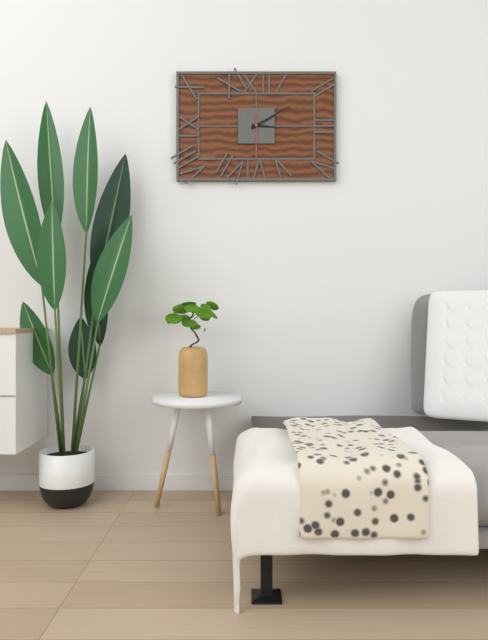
3:10
